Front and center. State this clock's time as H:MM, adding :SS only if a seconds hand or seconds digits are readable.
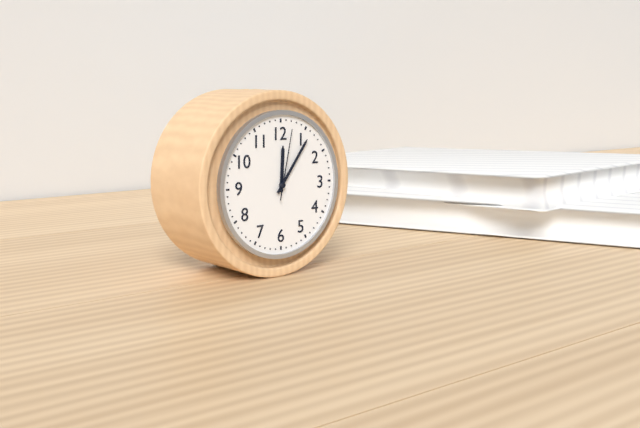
12:06:02
